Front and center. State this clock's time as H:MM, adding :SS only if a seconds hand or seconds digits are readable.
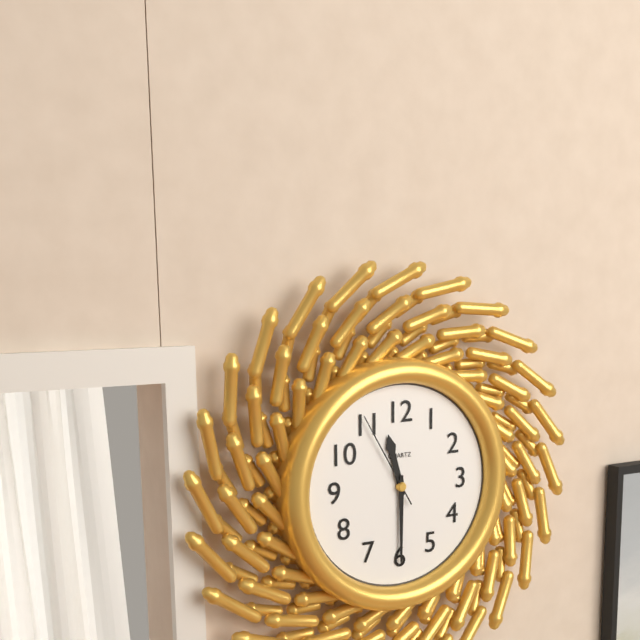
11:30:55
